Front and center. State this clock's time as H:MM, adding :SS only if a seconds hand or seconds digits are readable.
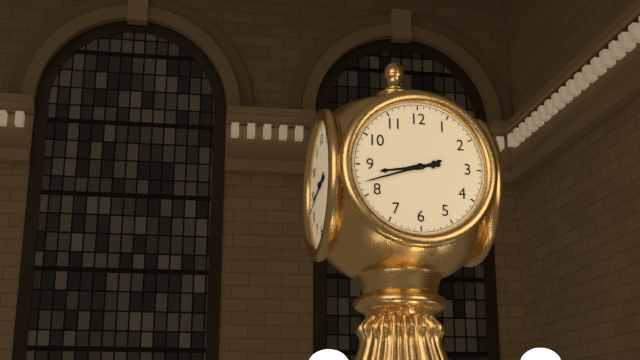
8:42
